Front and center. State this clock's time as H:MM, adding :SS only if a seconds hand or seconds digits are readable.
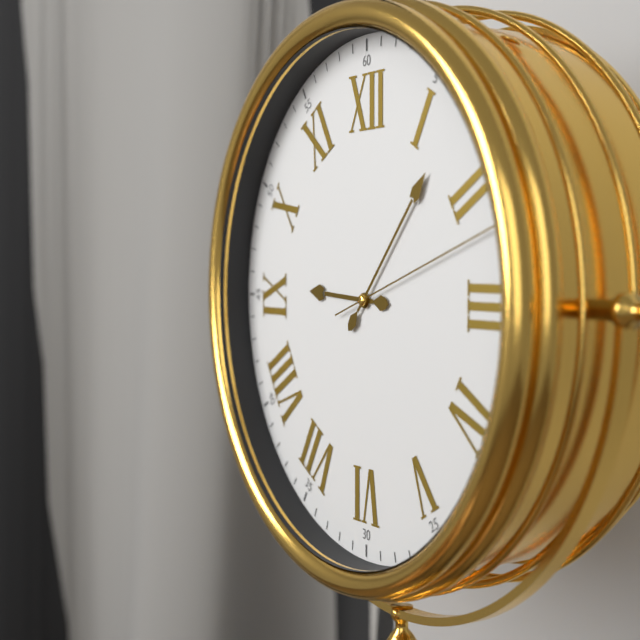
9:07:12
